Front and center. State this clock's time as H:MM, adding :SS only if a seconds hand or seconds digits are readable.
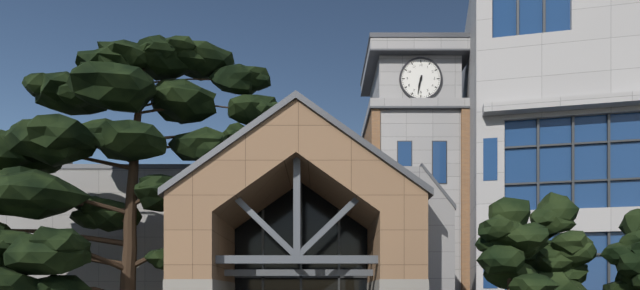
6:32
